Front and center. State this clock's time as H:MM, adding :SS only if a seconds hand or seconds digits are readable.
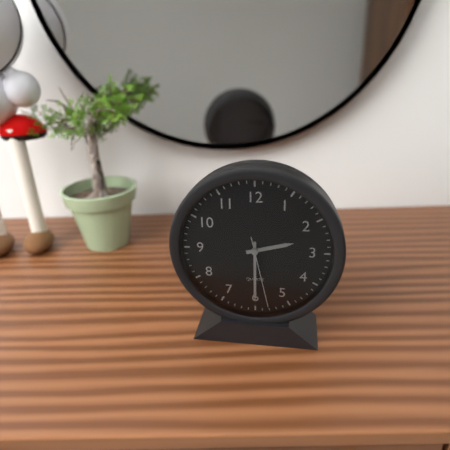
2:30:28
